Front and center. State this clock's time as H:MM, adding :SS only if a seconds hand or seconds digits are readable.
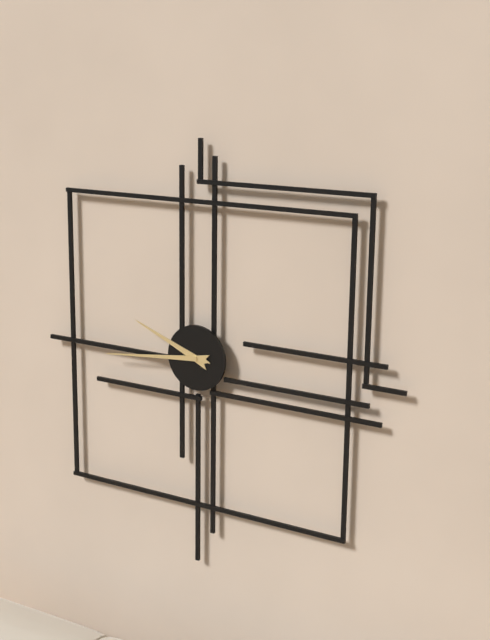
9:44
